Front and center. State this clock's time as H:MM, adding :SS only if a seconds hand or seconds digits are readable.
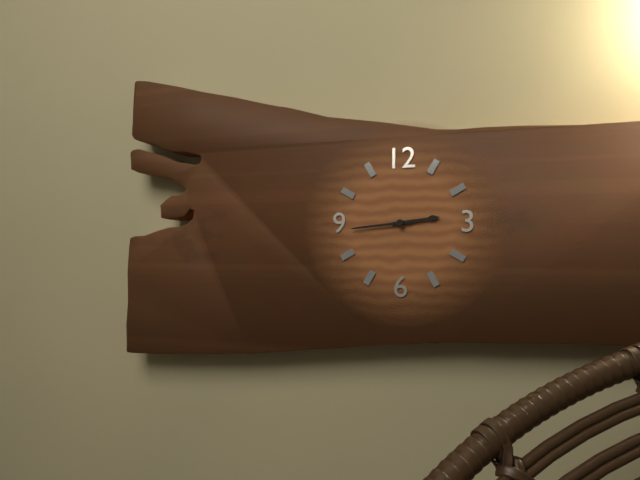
2:44
